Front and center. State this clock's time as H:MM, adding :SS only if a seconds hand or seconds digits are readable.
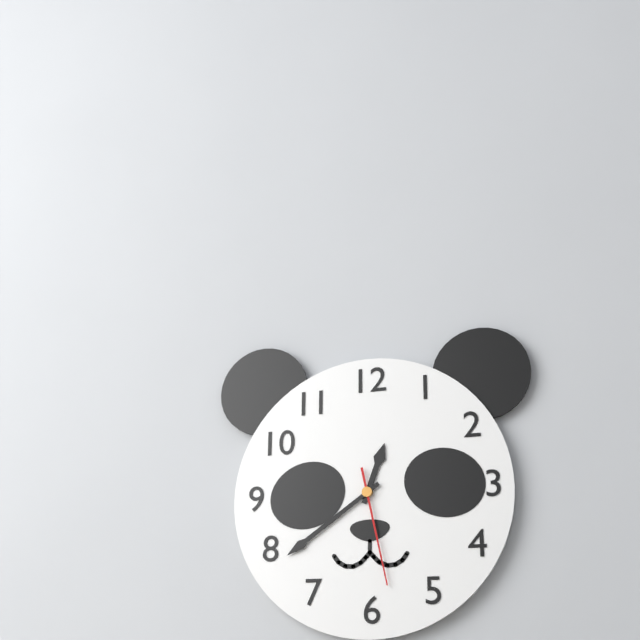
12:39:28
